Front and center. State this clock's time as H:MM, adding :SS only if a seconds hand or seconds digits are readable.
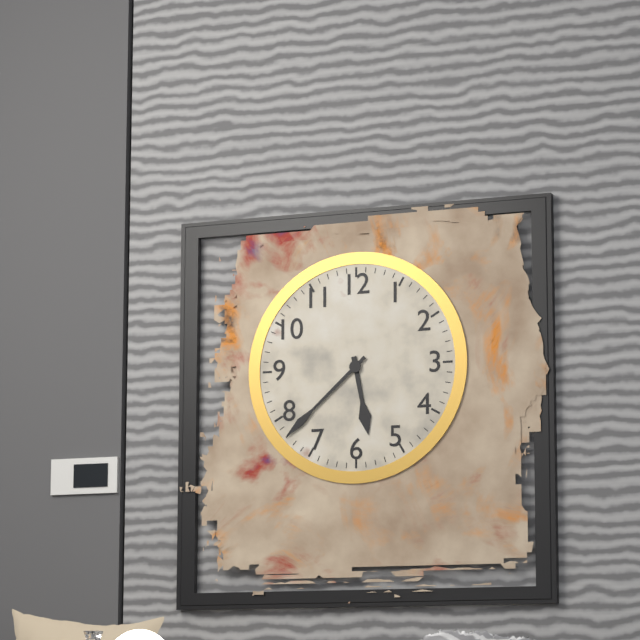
5:38
